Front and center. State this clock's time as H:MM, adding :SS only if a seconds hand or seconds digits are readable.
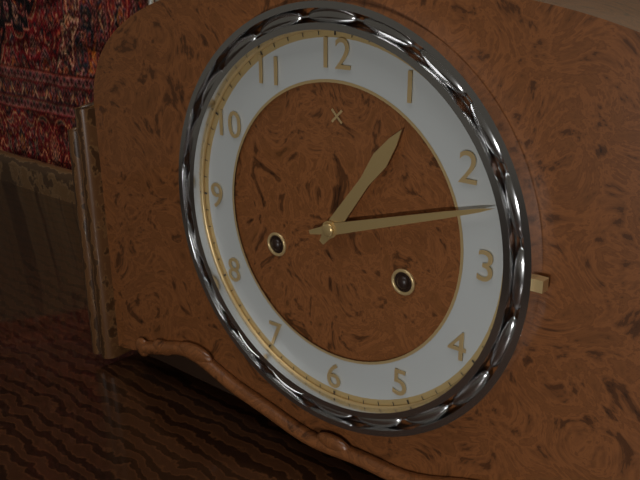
1:12
